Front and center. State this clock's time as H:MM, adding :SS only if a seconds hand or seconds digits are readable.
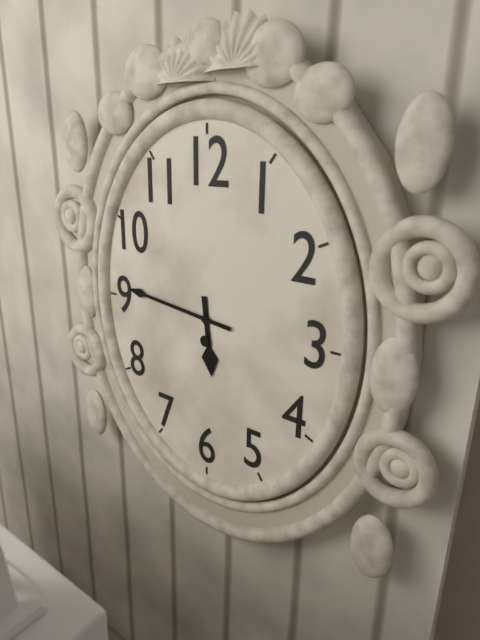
5:46
